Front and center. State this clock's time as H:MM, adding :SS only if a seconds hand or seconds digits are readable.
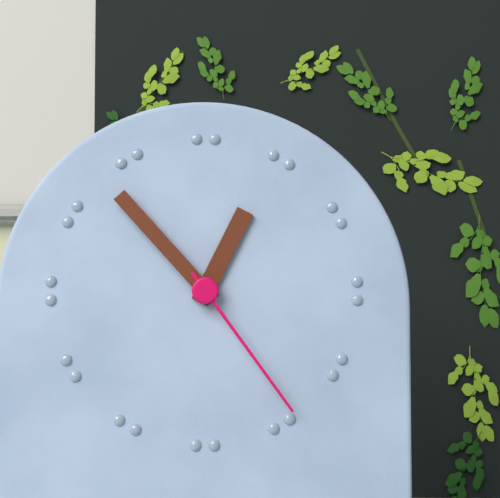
12:53:24
